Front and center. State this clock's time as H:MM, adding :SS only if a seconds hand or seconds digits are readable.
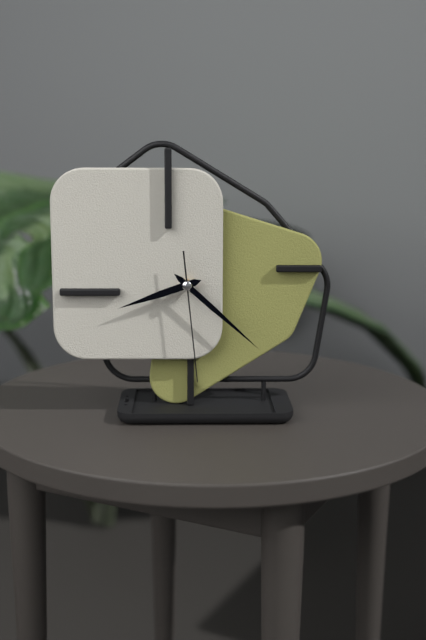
8:22:29
